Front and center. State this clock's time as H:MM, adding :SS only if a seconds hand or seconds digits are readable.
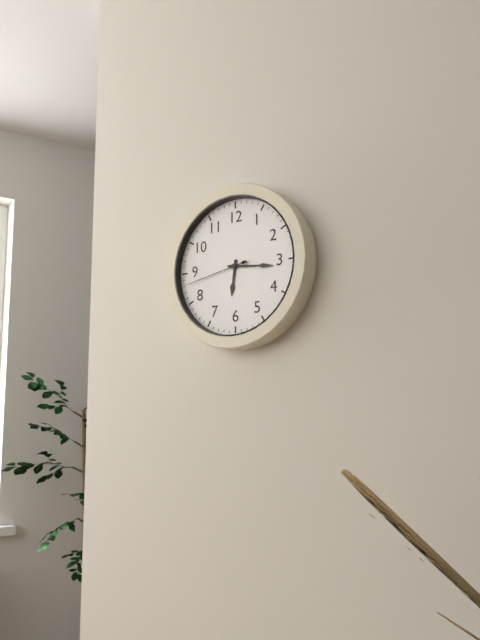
6:16:43
